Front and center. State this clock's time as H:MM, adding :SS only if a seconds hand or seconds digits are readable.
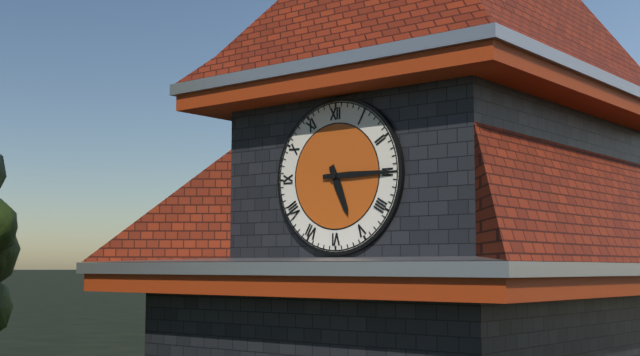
5:15
